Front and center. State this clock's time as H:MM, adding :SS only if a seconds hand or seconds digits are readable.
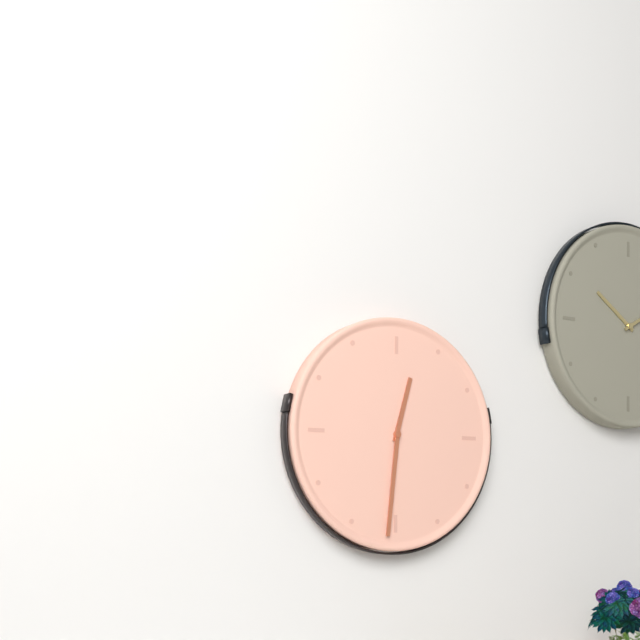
12:31
